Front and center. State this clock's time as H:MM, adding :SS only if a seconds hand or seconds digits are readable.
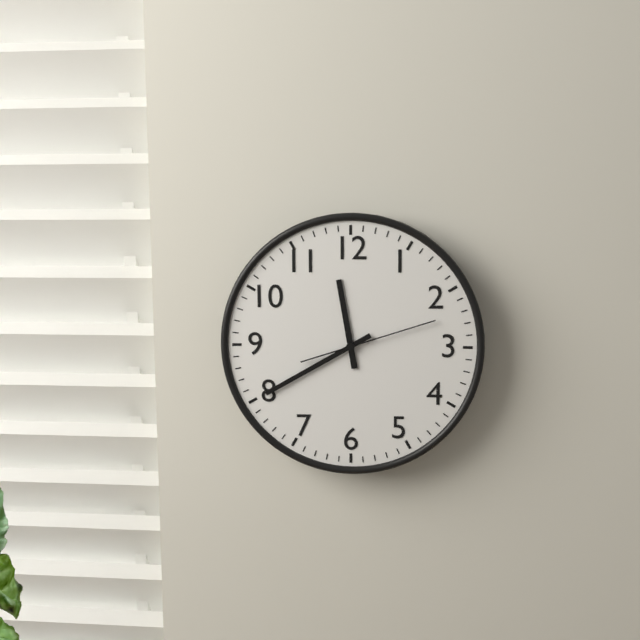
11:40:12
